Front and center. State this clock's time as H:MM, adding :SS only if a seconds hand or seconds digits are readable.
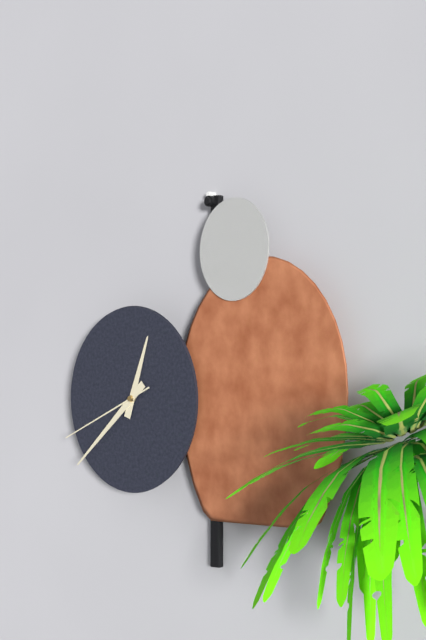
12:38:41
